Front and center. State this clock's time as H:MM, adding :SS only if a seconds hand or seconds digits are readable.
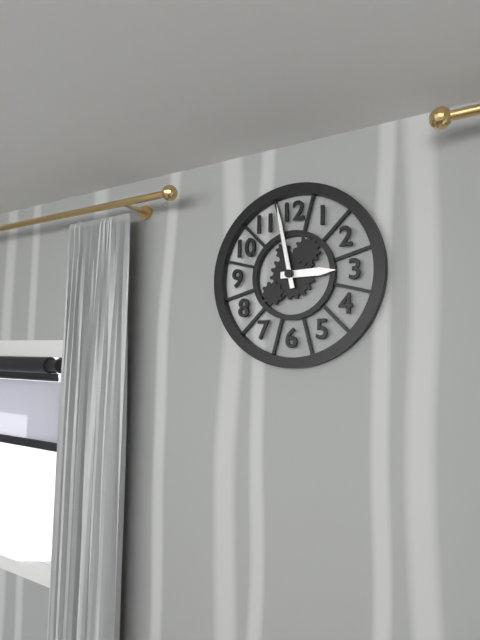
2:58
